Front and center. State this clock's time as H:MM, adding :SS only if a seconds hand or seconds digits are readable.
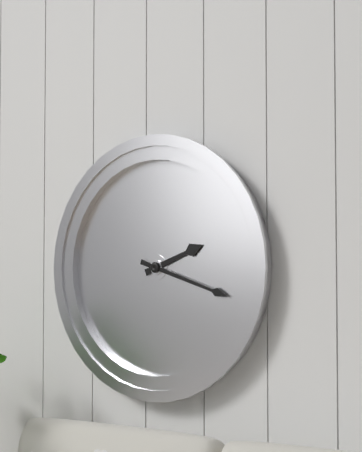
2:18
